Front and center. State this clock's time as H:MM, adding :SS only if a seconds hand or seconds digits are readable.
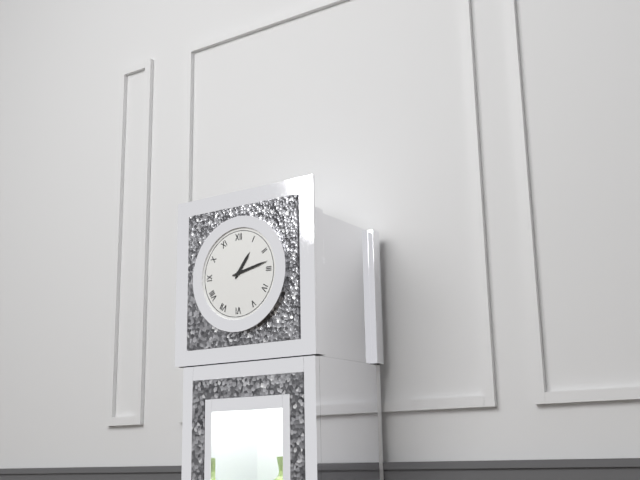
1:13
